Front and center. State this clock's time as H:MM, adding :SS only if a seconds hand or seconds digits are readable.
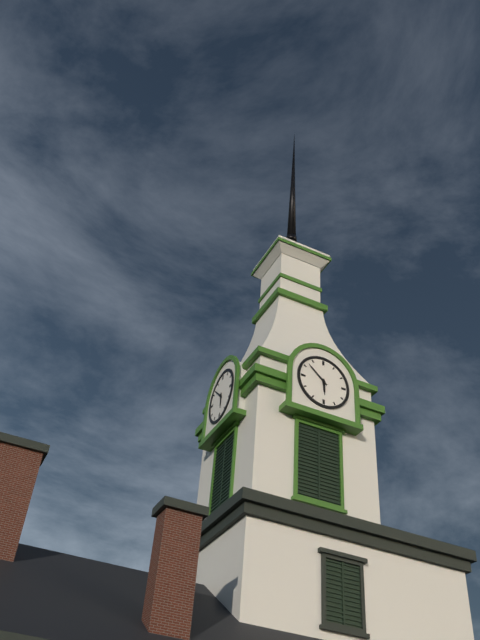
5:52
